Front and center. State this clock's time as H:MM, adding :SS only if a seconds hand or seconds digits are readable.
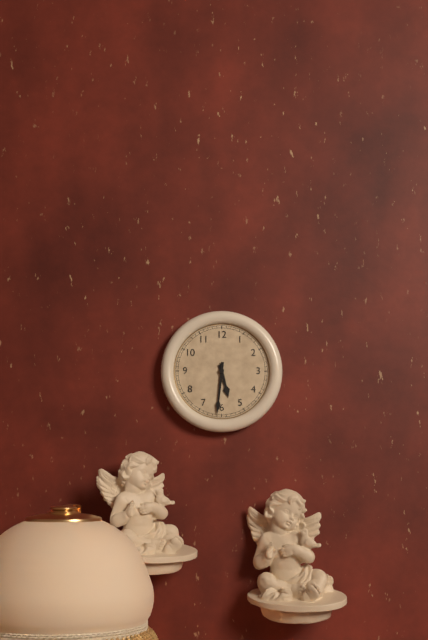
5:31
